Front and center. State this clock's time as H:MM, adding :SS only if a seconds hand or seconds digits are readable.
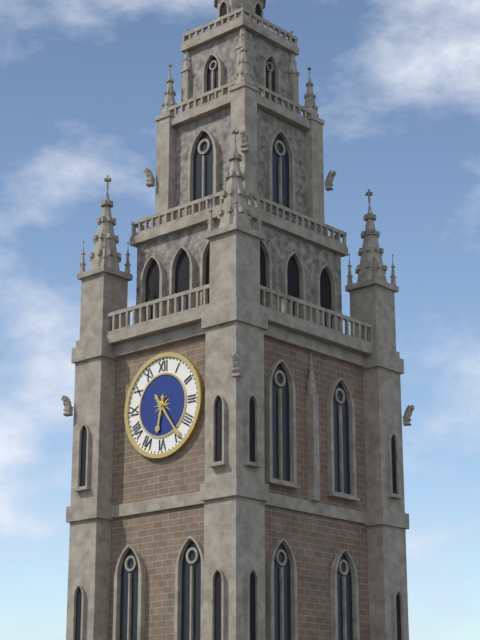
6:24
